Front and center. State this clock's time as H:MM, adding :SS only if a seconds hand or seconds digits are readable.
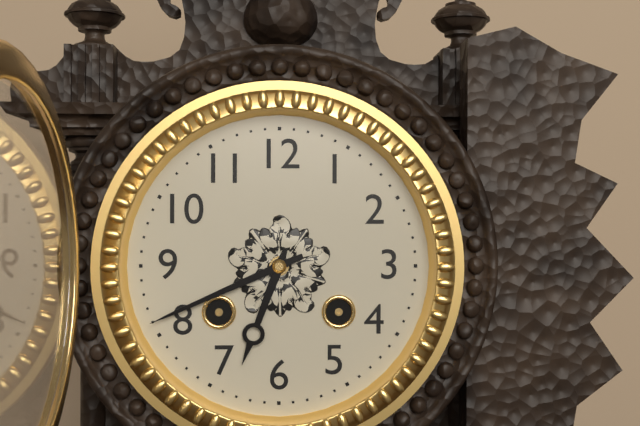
6:41
